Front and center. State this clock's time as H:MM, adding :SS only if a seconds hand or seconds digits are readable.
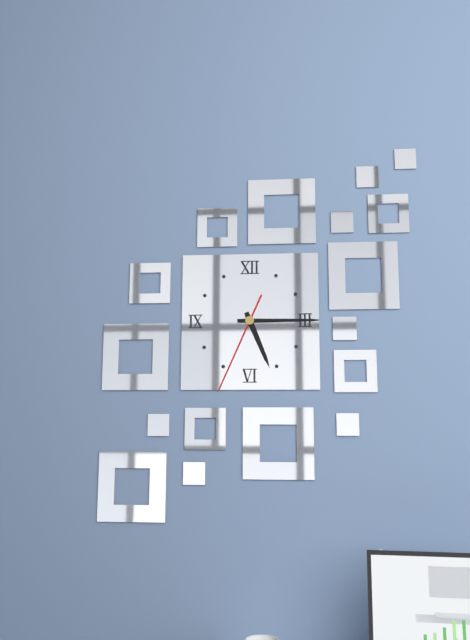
5:15:34
